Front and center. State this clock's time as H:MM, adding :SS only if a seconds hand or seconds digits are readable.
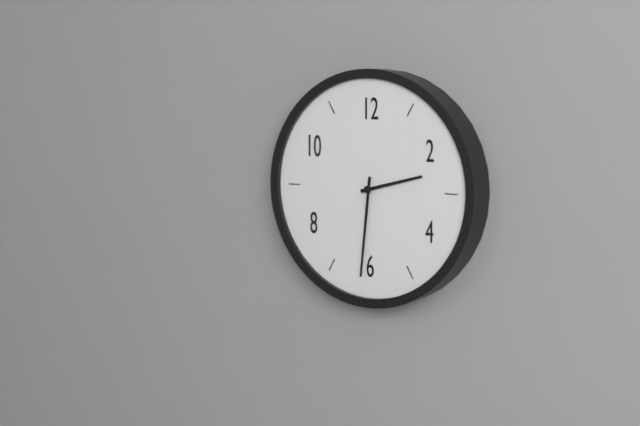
2:31
